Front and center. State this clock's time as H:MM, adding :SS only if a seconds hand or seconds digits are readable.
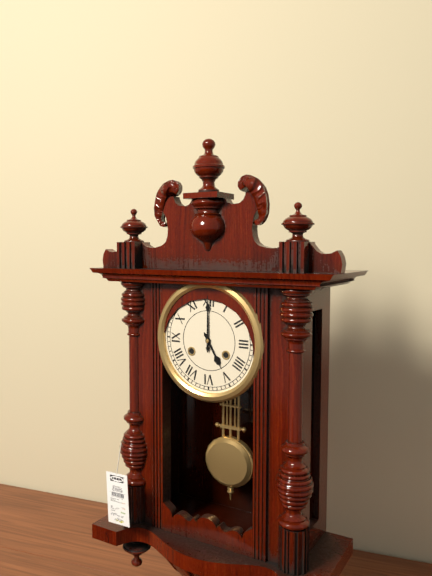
5:00
